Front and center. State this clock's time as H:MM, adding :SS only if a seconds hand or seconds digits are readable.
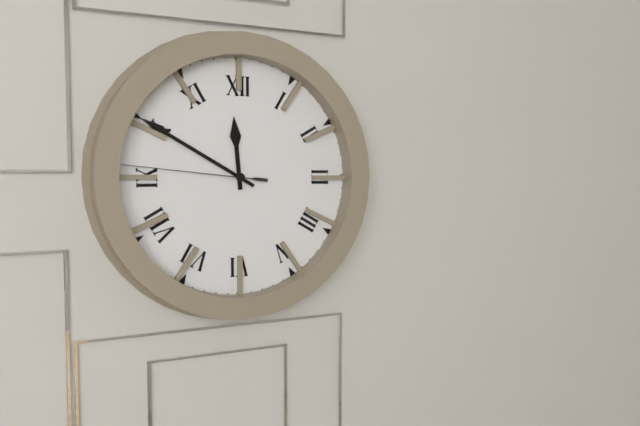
11:50:46
